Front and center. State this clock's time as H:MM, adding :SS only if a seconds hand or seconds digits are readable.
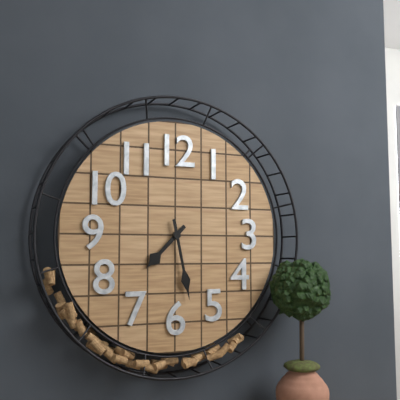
7:28
